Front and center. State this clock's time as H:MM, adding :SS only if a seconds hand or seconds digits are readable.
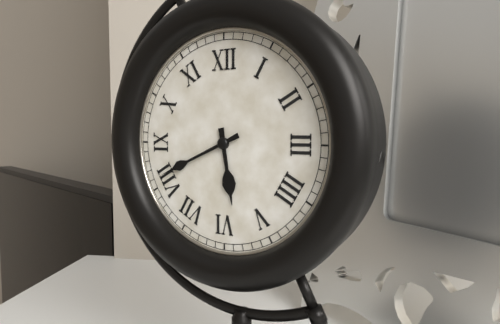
5:41
